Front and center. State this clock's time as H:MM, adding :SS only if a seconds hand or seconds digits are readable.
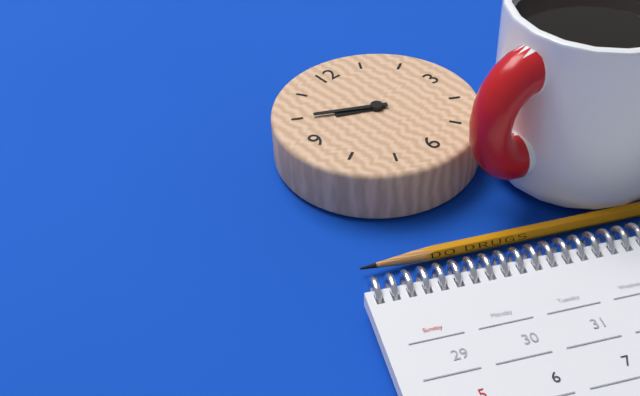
9:50
